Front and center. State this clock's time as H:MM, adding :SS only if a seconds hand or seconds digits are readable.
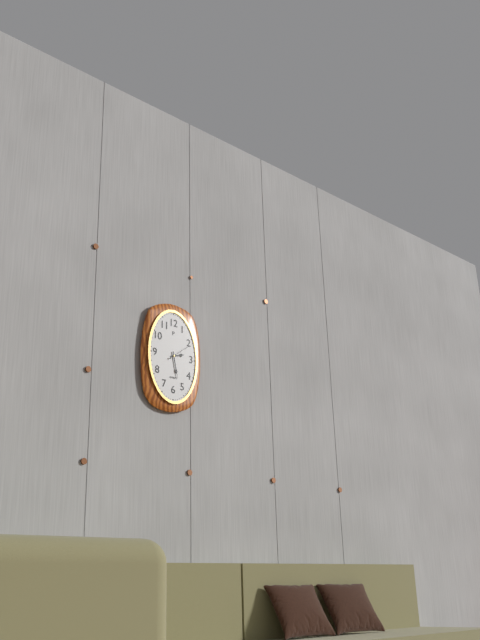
2:28
